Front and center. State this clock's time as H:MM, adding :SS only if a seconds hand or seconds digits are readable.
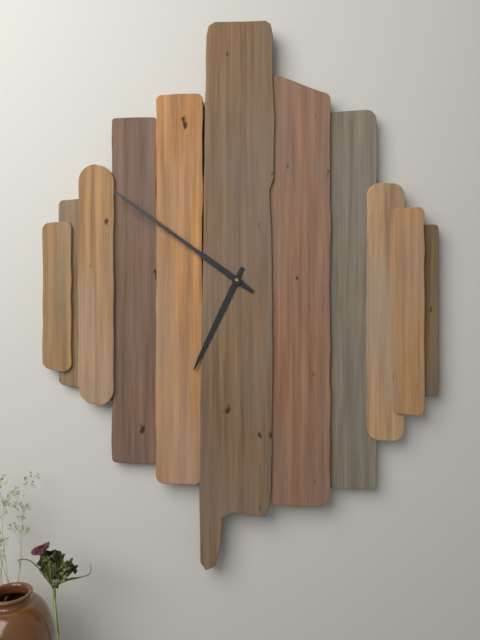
6:51
